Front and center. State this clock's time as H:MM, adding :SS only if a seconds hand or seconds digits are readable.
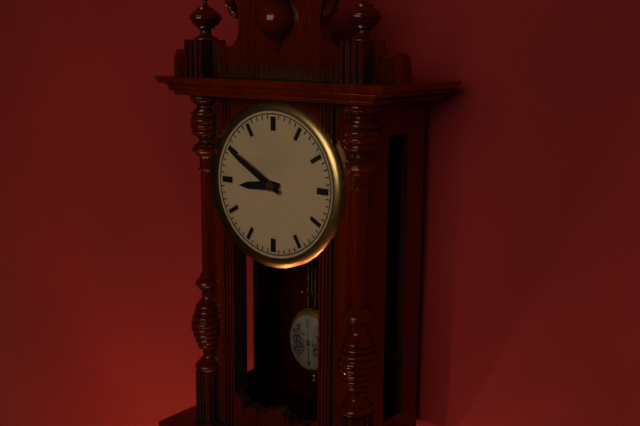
8:50
